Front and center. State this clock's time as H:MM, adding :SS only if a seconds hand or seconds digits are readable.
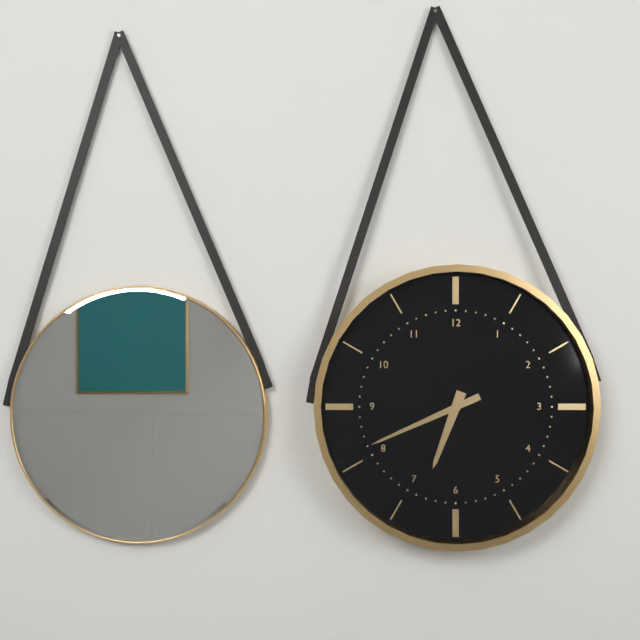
6:41
